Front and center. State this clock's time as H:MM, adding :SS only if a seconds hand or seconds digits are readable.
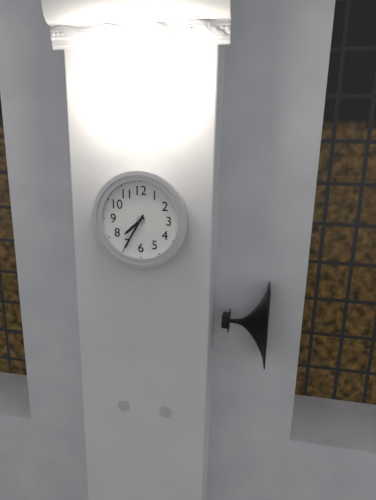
7:35
